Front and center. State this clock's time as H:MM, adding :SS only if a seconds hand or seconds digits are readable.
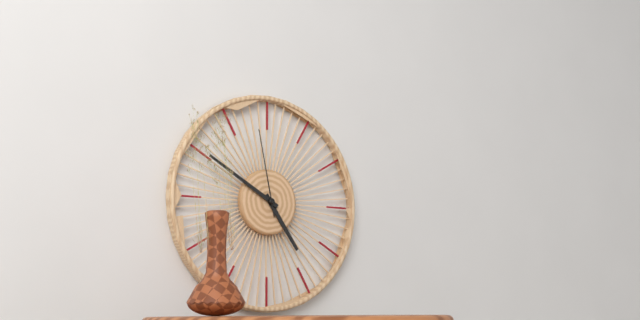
4:50:58
